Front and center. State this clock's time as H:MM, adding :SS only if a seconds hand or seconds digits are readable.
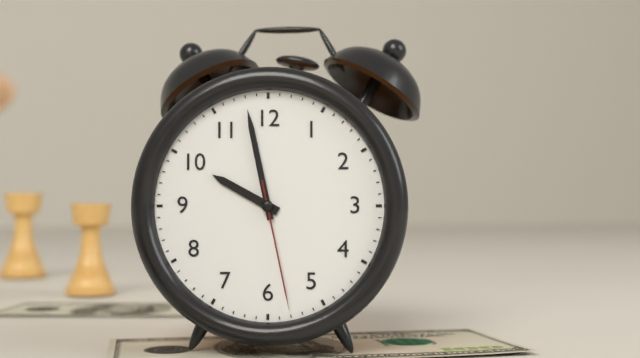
9:58:28
